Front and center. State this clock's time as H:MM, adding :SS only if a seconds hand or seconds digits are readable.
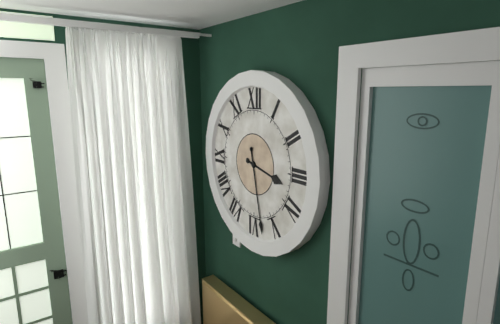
3:28
